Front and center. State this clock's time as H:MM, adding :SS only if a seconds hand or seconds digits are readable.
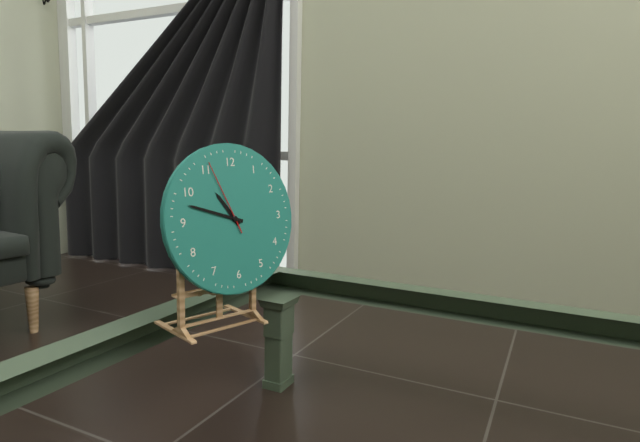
10:48:56
